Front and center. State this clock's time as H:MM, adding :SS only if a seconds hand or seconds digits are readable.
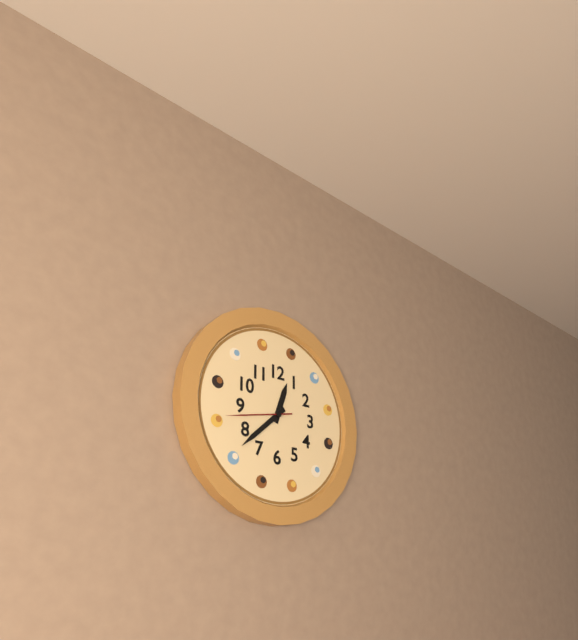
12:38:43
